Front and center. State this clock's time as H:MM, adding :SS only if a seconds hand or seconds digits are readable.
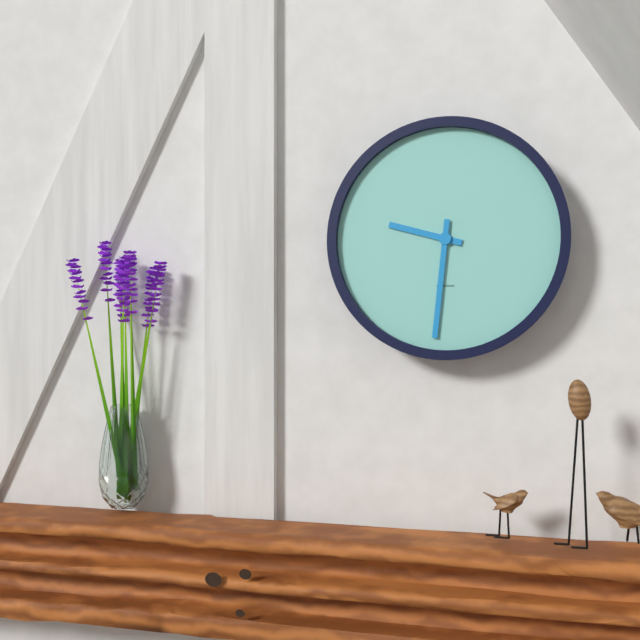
9:31
